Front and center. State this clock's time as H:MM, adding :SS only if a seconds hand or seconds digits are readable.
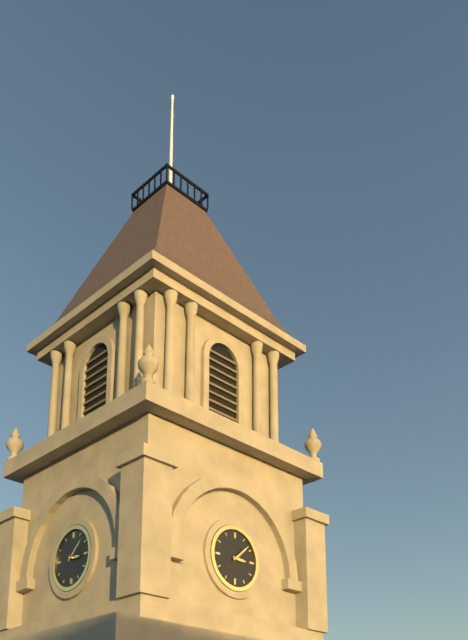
3:08
